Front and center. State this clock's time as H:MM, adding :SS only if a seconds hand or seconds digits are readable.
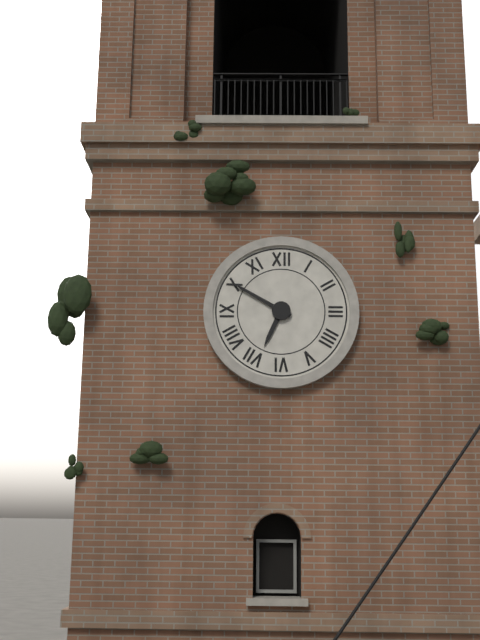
6:50
